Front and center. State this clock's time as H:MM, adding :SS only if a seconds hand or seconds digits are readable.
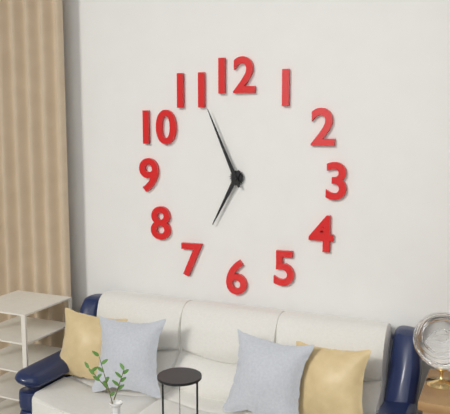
6:56
